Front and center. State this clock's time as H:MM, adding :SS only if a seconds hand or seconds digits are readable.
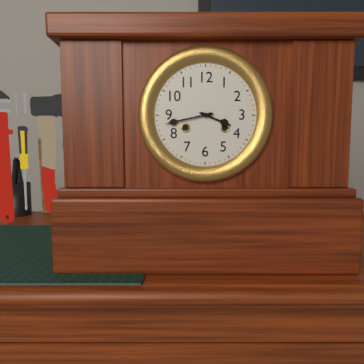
3:43
